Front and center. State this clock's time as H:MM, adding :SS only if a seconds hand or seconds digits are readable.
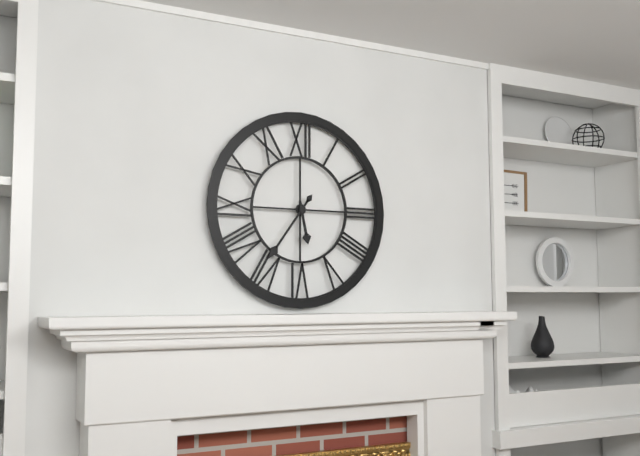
5:36
